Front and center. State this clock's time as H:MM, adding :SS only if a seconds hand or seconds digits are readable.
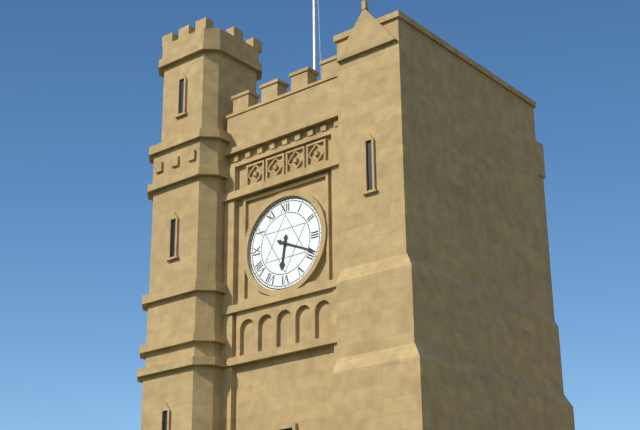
6:19
